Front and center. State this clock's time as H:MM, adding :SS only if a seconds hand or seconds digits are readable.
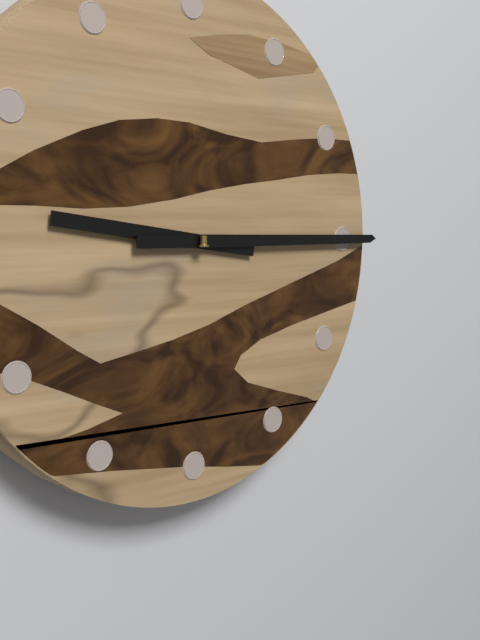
9:15
